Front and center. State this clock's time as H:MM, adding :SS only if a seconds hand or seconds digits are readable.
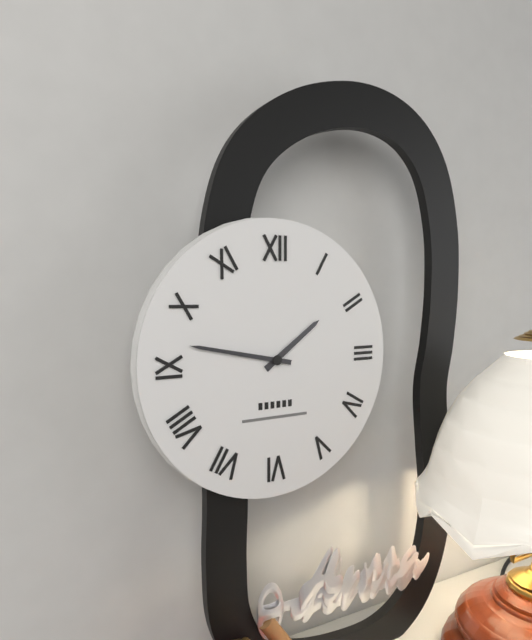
1:47
